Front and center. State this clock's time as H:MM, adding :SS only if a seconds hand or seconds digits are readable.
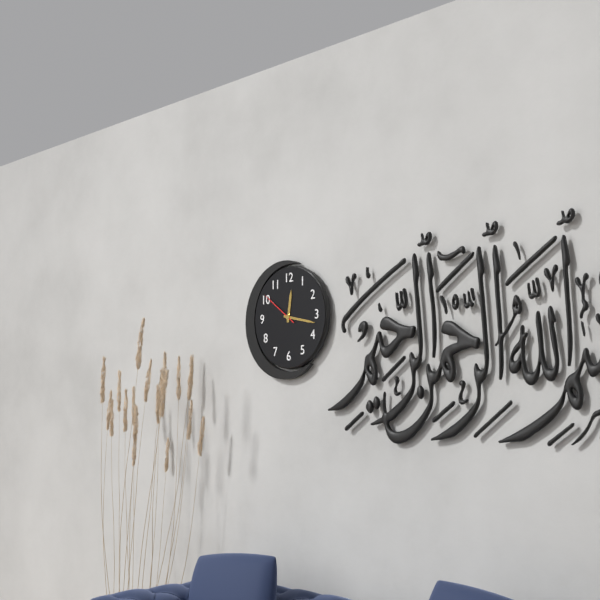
12:17
